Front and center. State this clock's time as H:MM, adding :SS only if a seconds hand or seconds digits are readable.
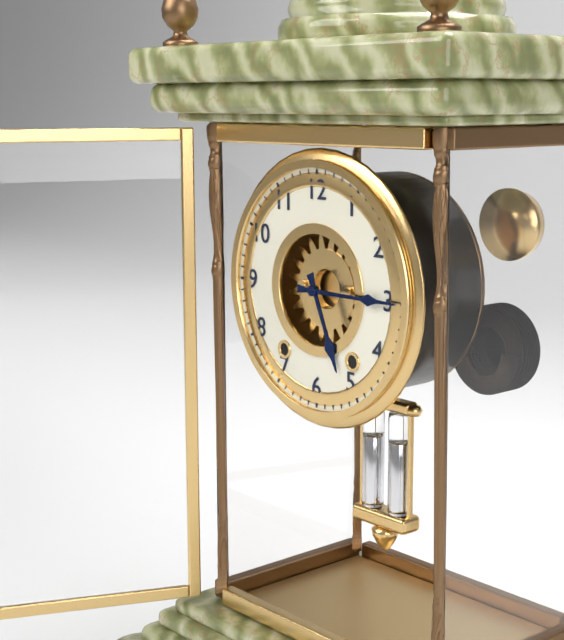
5:15
